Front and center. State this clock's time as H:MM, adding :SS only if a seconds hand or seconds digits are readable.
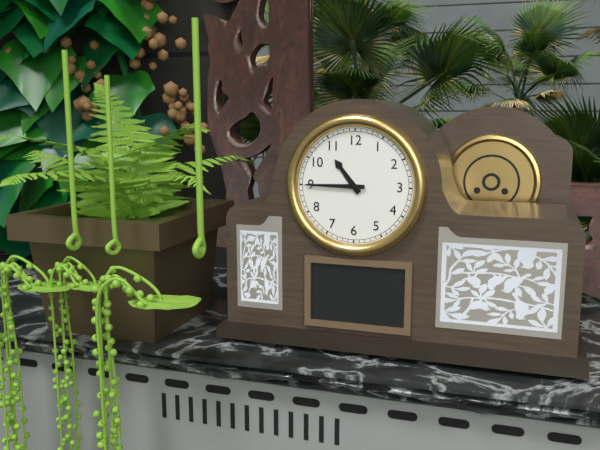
10:45
